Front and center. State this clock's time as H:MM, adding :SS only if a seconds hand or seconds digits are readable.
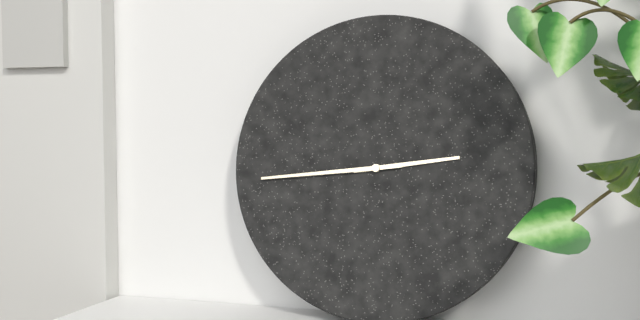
2:44
